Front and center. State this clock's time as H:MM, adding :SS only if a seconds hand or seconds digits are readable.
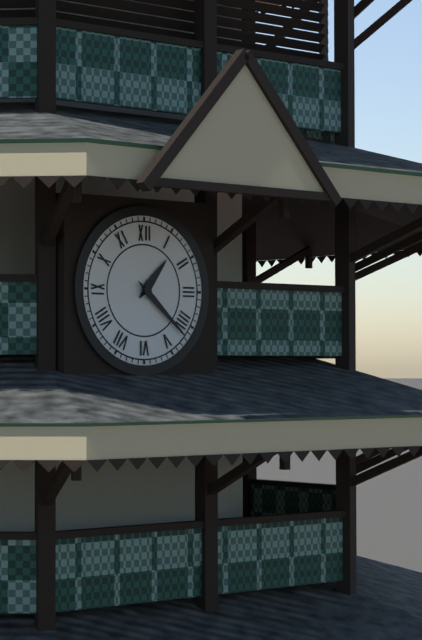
1:22
